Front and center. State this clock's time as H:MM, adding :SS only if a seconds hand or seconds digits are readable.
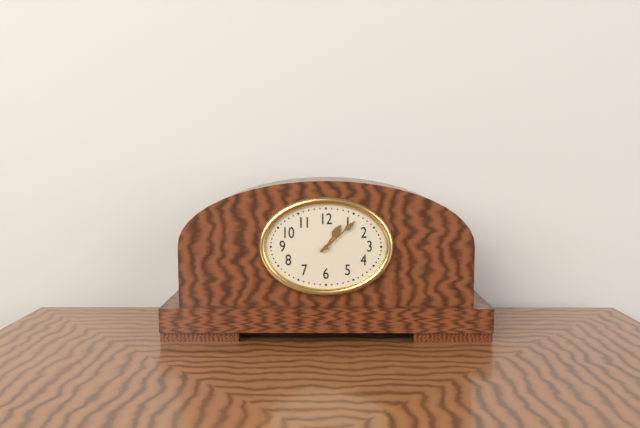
1:08
